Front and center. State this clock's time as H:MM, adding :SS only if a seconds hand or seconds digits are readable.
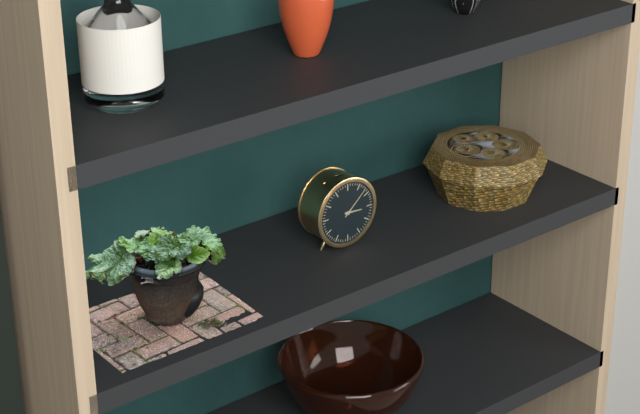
3:08
